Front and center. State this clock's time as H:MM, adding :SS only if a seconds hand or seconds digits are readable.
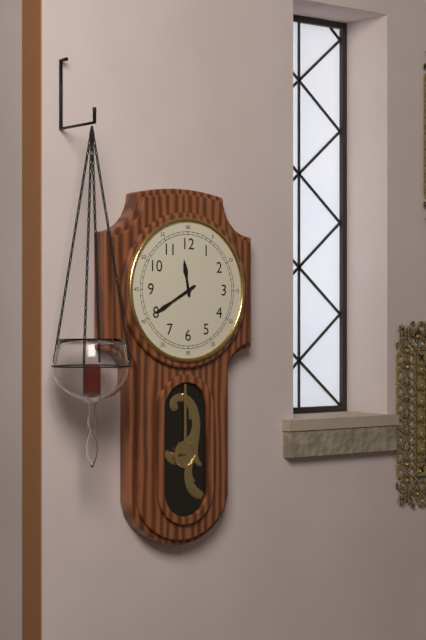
11:40
